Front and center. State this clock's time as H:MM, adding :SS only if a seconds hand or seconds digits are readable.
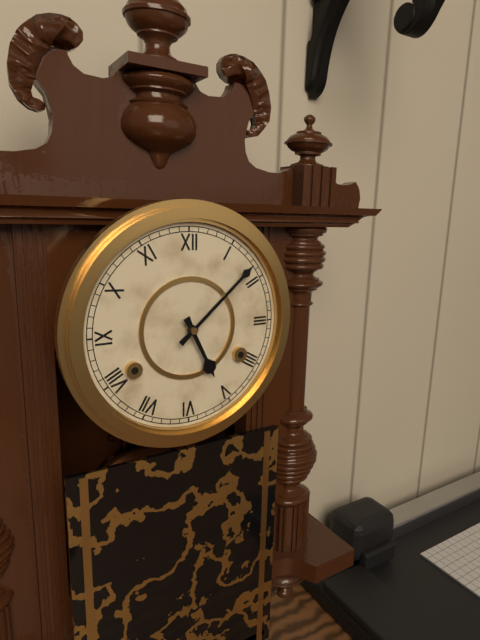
5:08
